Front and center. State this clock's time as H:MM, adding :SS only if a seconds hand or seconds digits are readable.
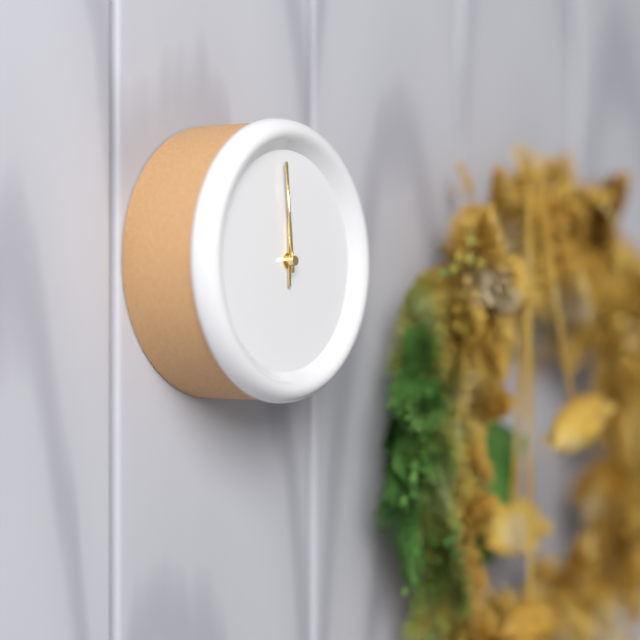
11:59
